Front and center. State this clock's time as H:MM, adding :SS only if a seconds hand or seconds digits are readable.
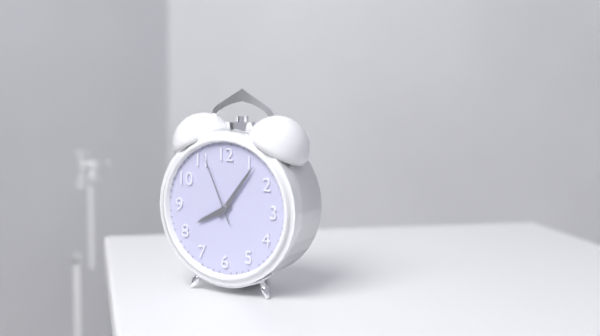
8:06:56
